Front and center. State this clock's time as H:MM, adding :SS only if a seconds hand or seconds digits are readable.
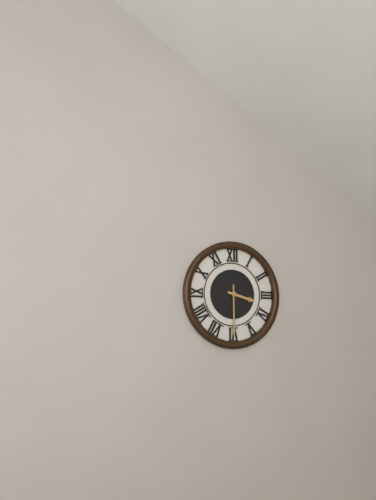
3:30
